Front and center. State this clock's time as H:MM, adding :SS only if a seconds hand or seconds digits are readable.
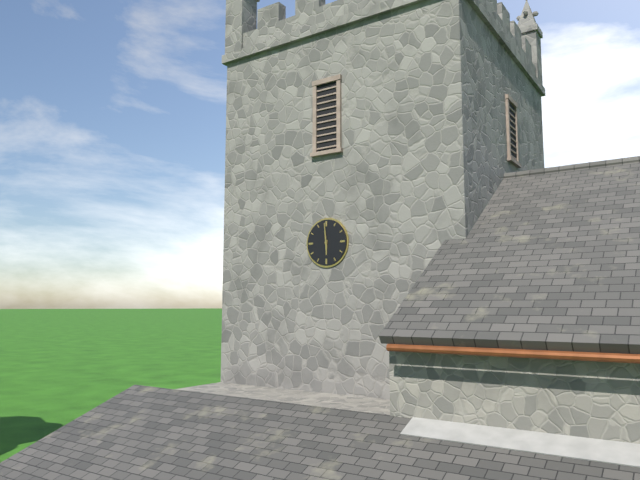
5:59
